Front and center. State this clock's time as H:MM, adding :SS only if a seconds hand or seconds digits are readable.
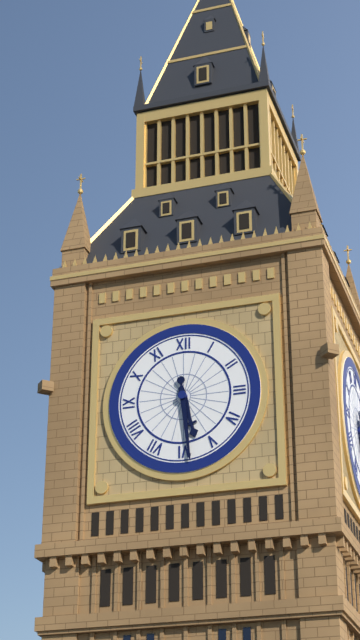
5:29
